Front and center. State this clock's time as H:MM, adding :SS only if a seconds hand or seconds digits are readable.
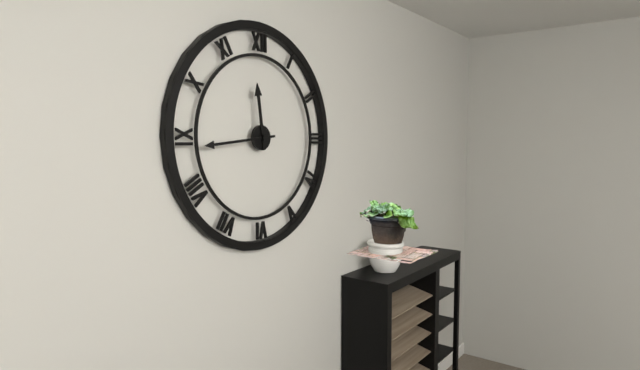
11:44
